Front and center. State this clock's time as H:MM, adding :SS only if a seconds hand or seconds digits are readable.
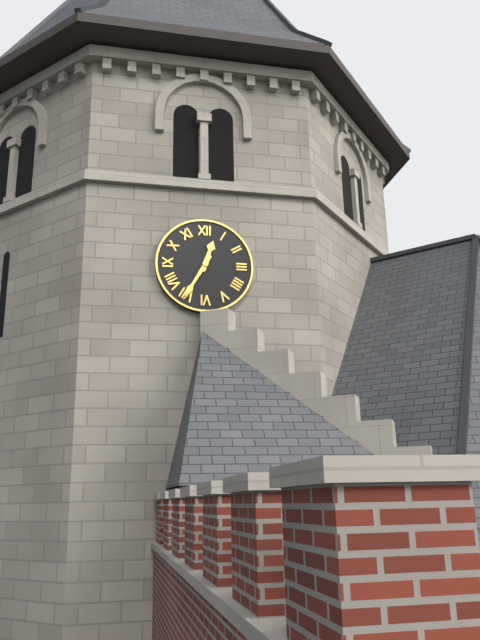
12:35
